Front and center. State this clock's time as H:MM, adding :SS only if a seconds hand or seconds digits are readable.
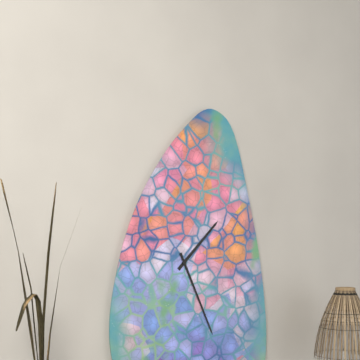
1:26
